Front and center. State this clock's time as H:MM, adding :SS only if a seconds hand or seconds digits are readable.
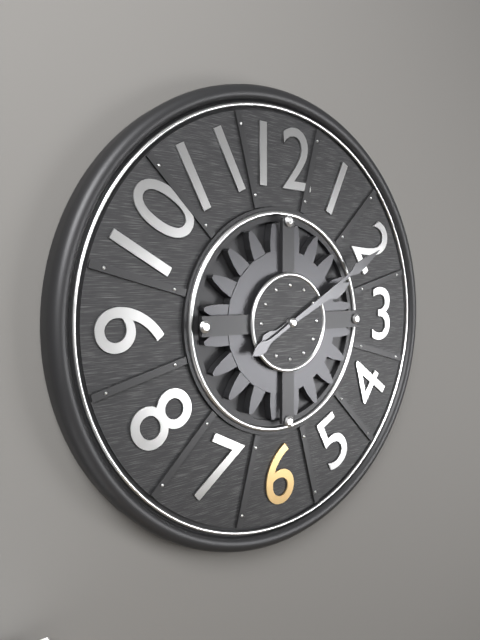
2:10
